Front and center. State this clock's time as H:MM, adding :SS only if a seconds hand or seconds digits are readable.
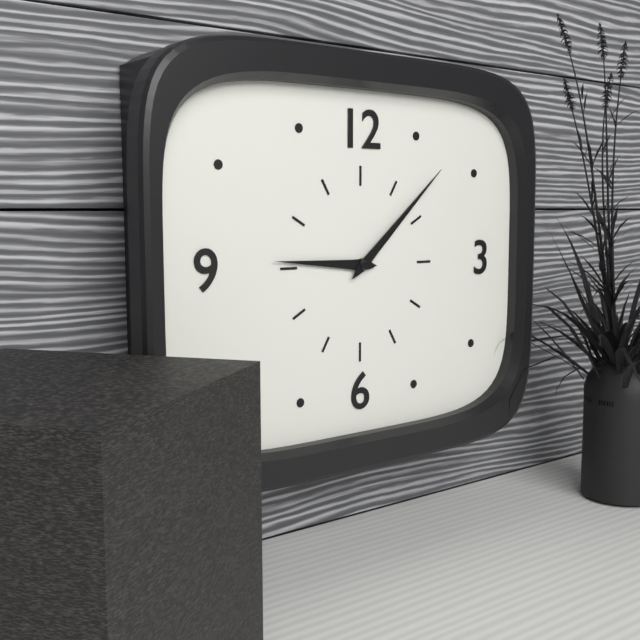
9:08
